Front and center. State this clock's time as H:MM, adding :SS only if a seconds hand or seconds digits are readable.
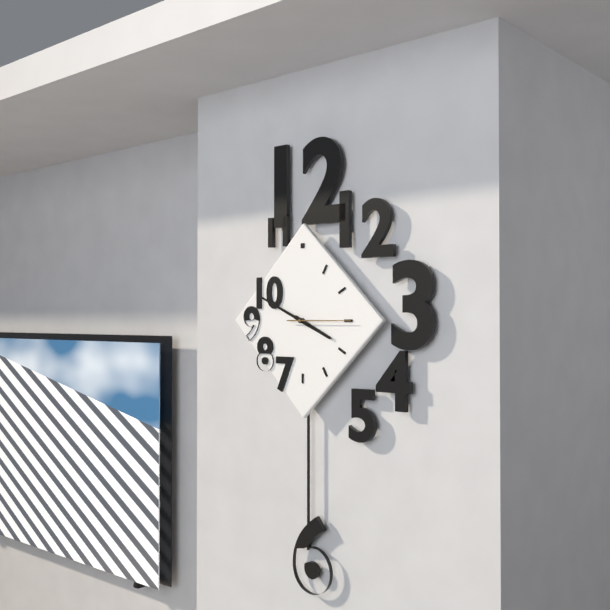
3:49
